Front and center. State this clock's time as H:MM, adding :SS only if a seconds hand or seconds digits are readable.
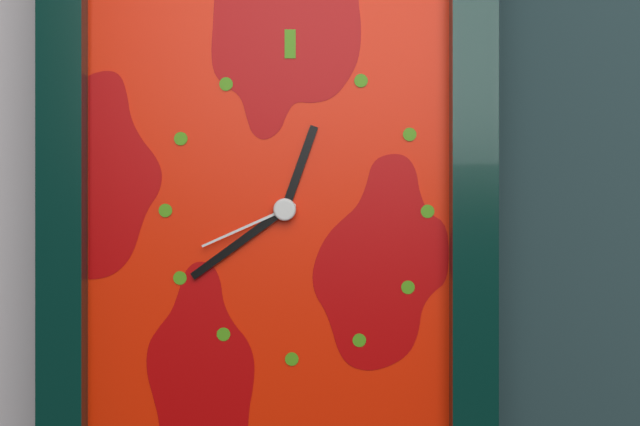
12:39:41
